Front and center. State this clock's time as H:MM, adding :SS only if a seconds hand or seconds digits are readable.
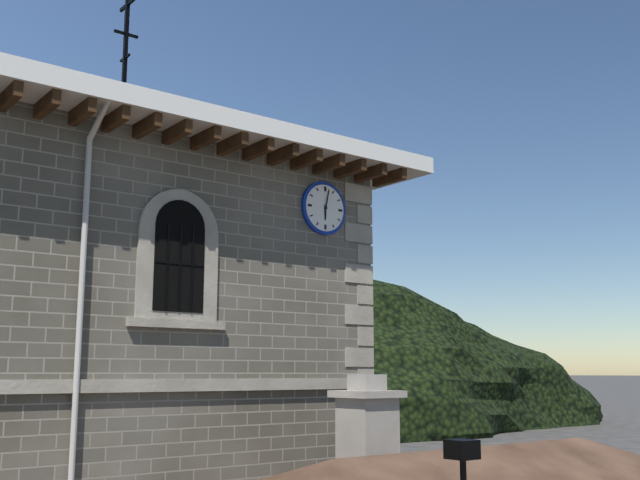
6:02
